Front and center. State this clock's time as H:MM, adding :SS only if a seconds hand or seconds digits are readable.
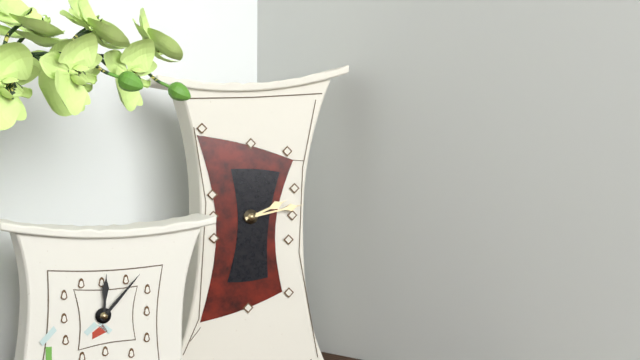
2:13
